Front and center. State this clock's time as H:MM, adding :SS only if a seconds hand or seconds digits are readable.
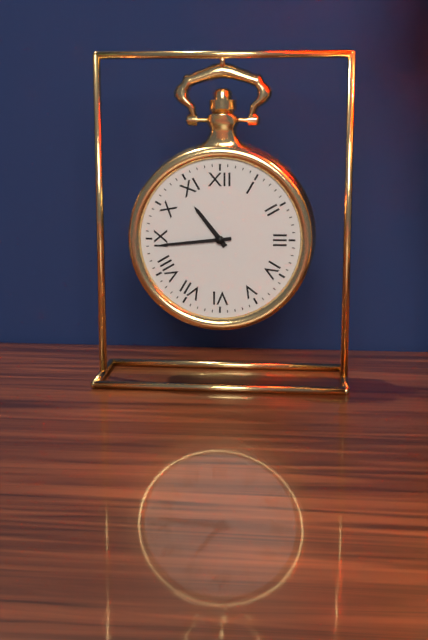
10:44
